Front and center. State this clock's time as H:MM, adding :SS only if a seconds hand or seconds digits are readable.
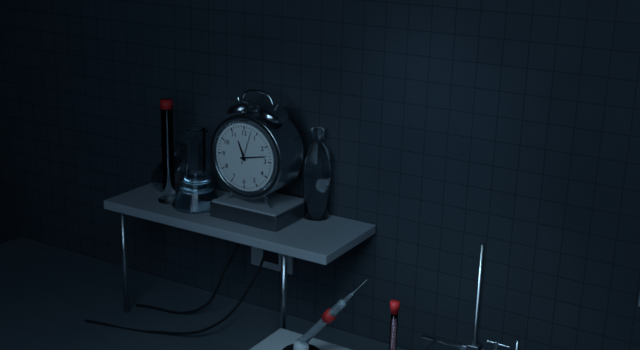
11:13
